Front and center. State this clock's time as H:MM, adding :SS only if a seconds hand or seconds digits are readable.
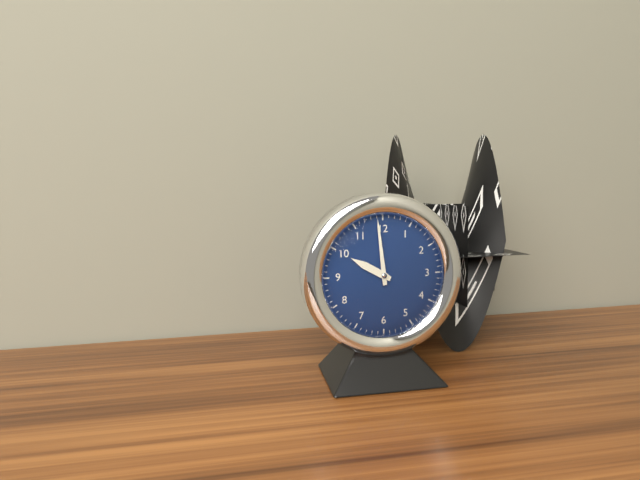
9:59
